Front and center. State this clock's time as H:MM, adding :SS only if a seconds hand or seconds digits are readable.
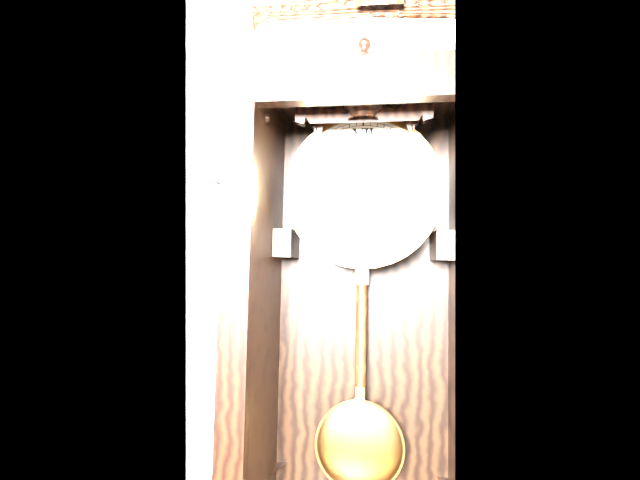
9:13
